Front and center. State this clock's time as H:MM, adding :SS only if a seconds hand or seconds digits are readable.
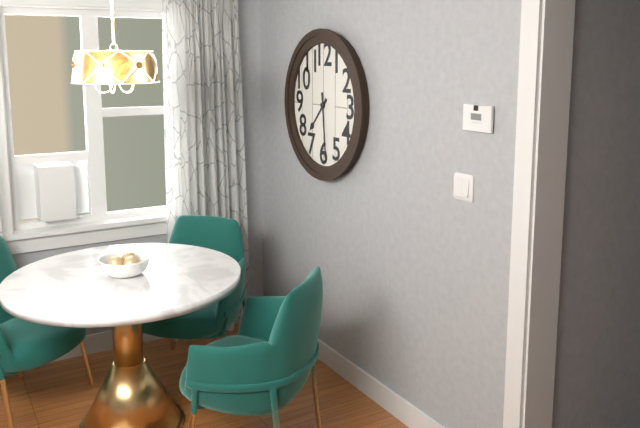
7:29
